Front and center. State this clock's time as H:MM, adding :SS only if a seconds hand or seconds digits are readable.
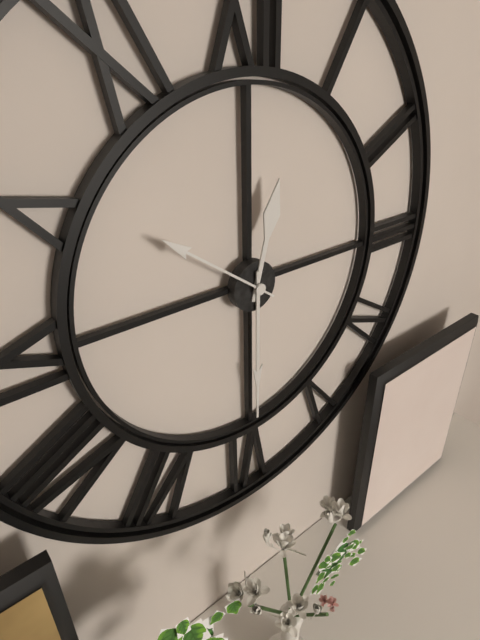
12:30:51
